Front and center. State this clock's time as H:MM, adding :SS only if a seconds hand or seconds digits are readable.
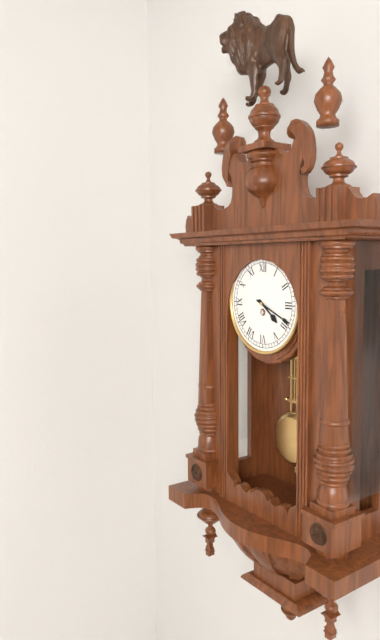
4:19
